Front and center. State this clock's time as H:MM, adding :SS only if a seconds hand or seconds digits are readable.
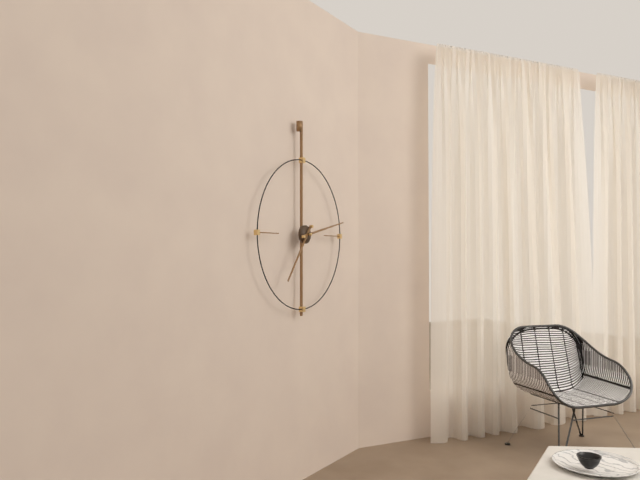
7:13
